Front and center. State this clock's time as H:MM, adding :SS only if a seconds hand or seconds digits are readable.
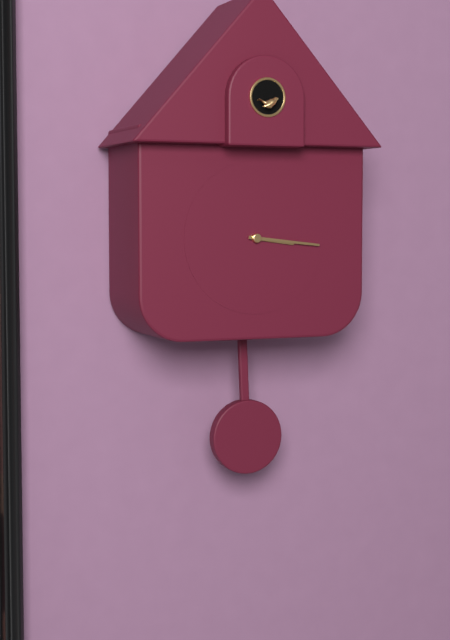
3:16
